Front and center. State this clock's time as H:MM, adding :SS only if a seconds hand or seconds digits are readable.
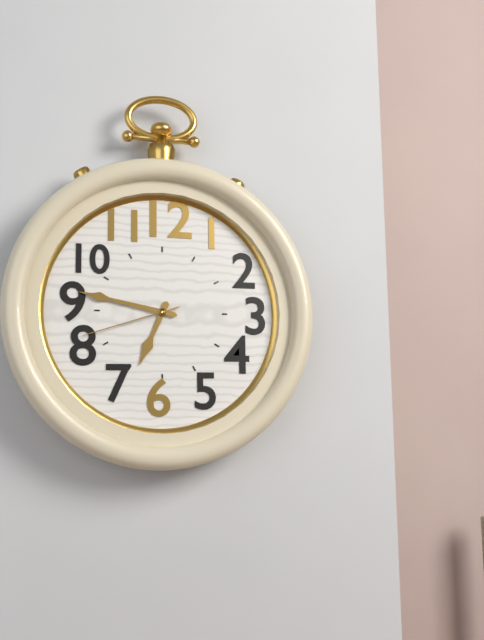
6:47:42
